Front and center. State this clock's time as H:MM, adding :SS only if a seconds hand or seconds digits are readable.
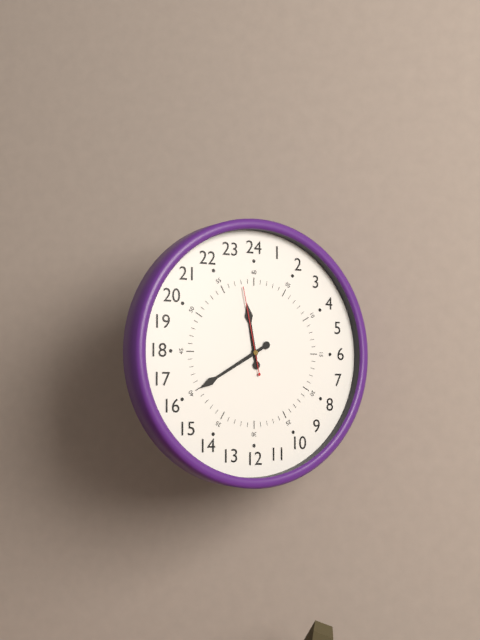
11:40:58
